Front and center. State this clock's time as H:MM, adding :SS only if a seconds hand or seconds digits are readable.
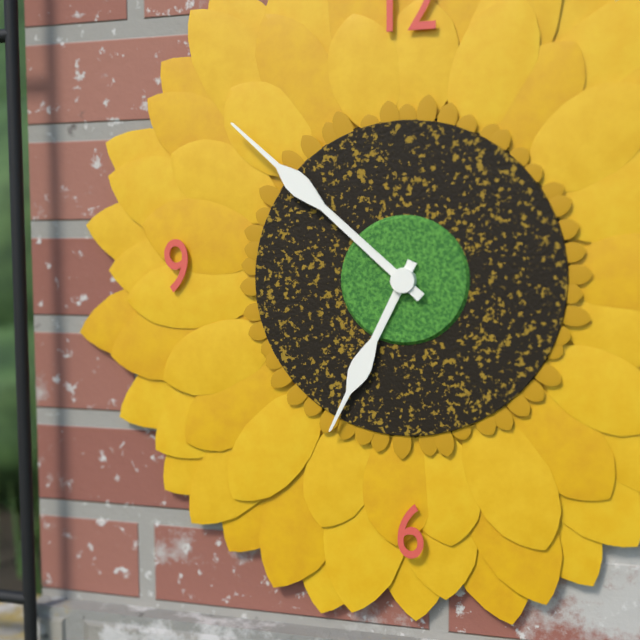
6:52
